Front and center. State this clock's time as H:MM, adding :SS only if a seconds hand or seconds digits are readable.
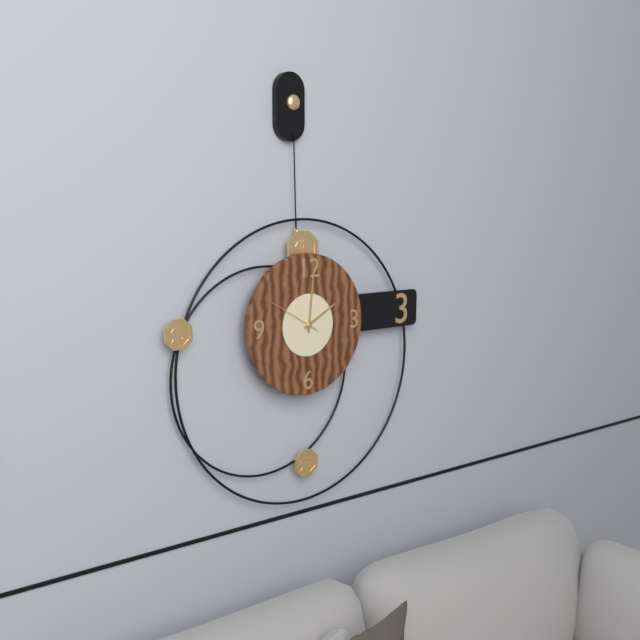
2:01:50
